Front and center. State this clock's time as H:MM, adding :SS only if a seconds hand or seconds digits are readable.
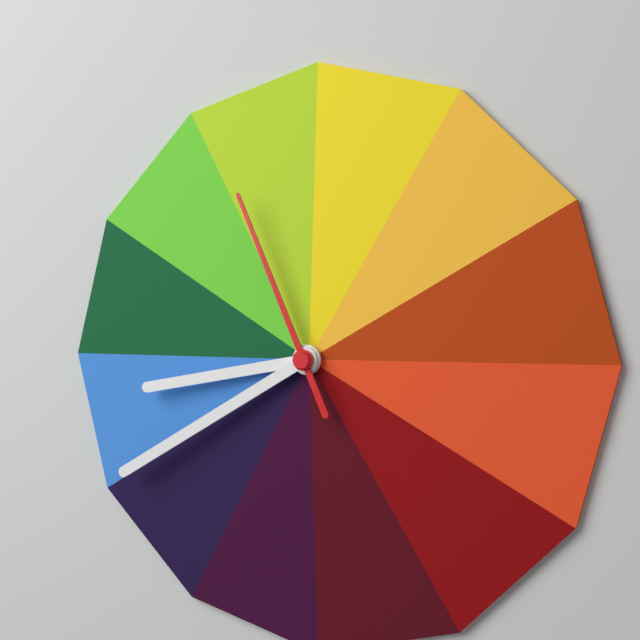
8:40:56
